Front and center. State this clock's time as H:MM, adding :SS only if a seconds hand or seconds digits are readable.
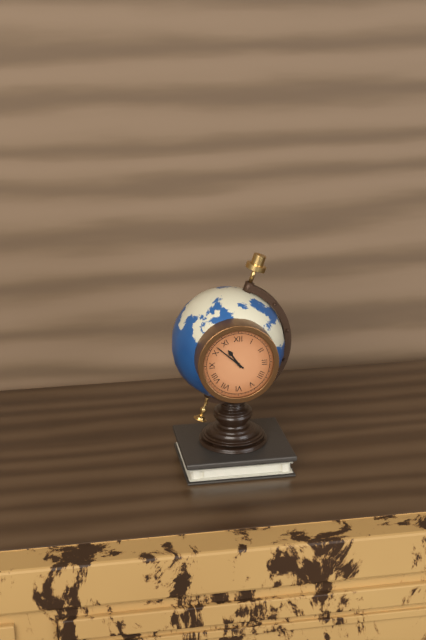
10:52
